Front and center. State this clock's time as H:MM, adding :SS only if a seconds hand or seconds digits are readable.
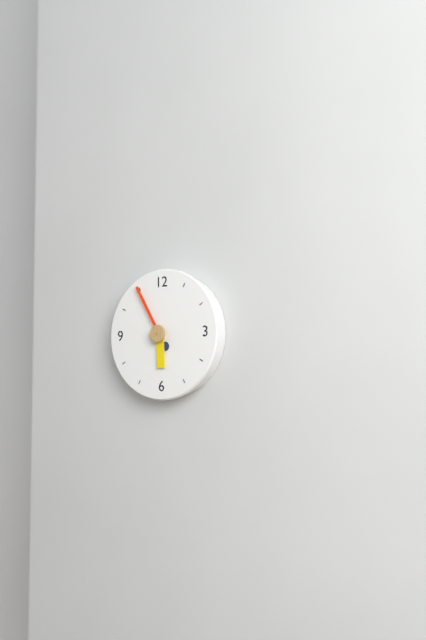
5:55
